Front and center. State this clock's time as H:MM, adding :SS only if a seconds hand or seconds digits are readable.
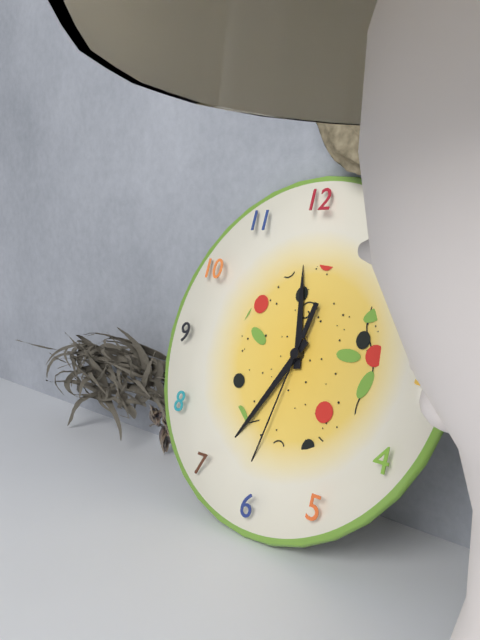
11:35:32
